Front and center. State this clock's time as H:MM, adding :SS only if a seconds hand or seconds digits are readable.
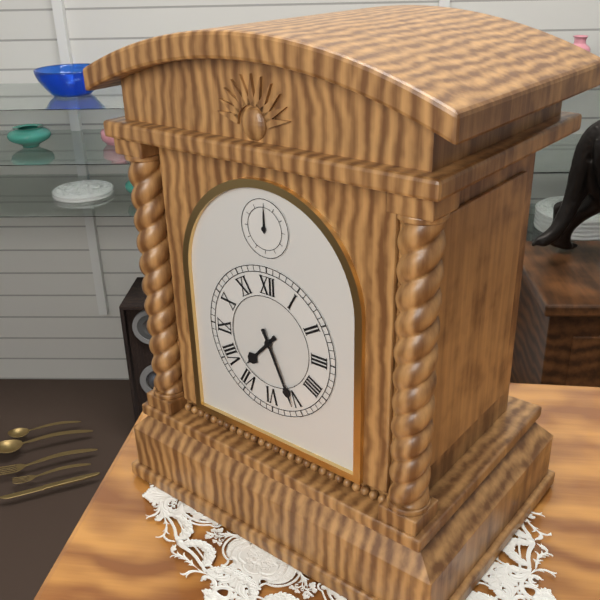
7:26
